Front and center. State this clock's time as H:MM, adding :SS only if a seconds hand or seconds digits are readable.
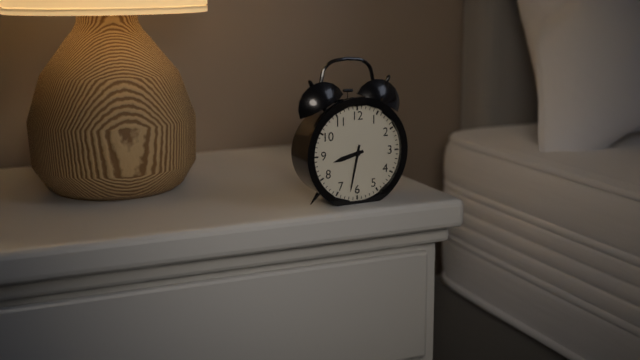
8:32
